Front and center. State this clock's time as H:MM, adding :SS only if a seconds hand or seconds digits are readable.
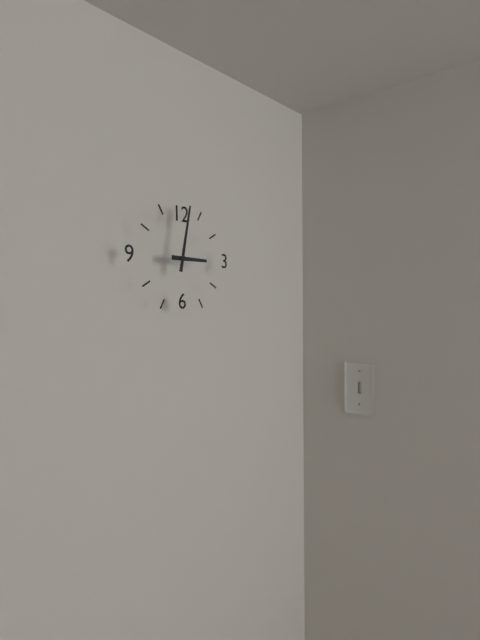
3:02
